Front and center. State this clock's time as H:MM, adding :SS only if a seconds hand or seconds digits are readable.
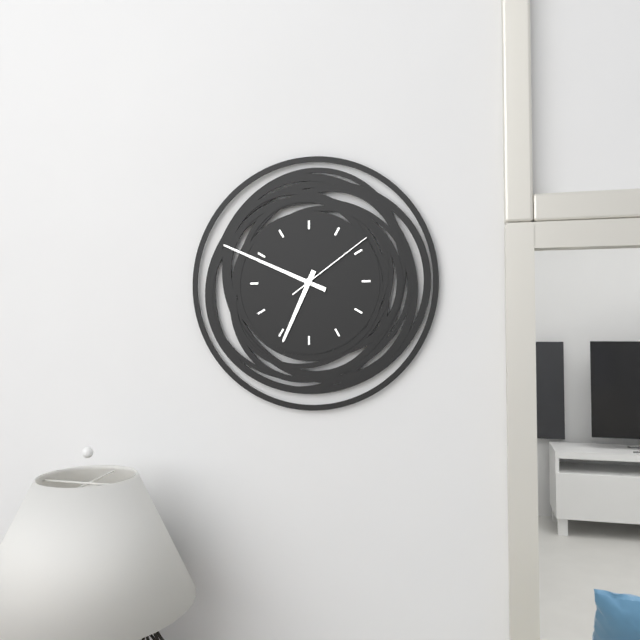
6:49:09
